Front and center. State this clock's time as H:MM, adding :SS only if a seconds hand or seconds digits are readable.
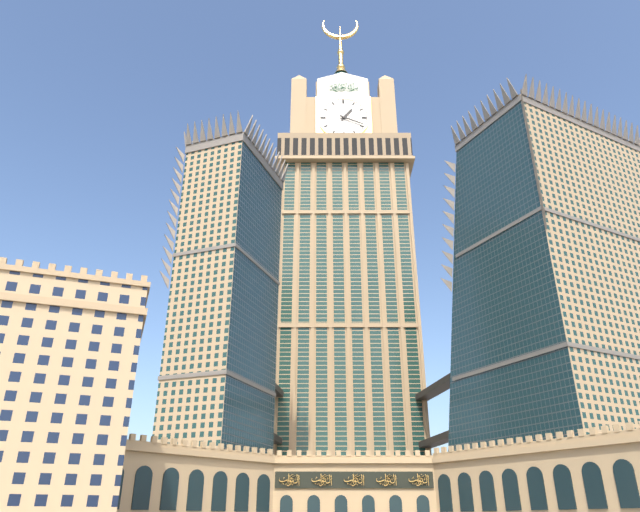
1:19
